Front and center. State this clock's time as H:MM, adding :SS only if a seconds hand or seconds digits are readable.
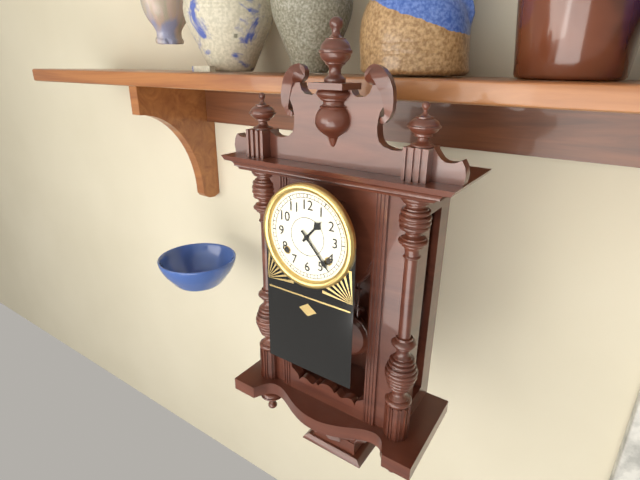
1:23
